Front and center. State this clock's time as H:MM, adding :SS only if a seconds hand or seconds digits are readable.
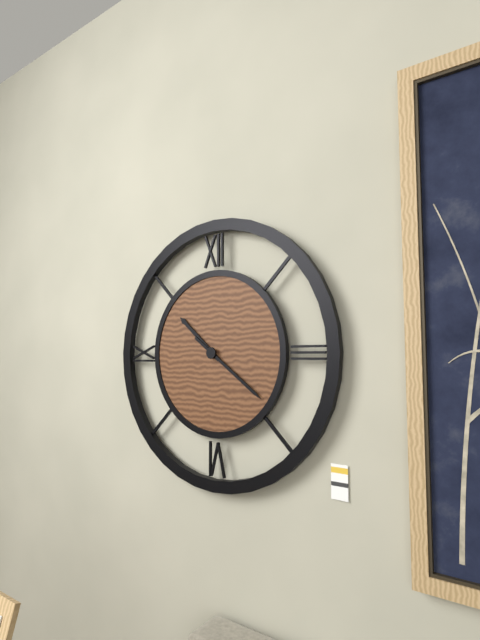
10:21
